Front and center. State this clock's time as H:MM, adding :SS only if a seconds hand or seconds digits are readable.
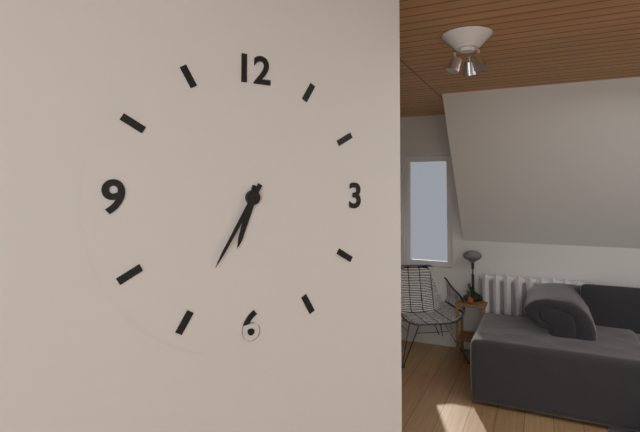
6:35
